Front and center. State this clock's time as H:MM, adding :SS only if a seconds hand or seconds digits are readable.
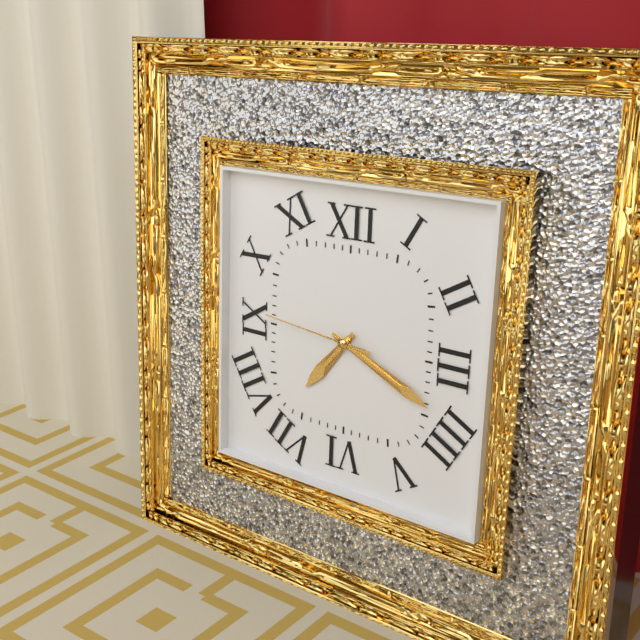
7:19:46
